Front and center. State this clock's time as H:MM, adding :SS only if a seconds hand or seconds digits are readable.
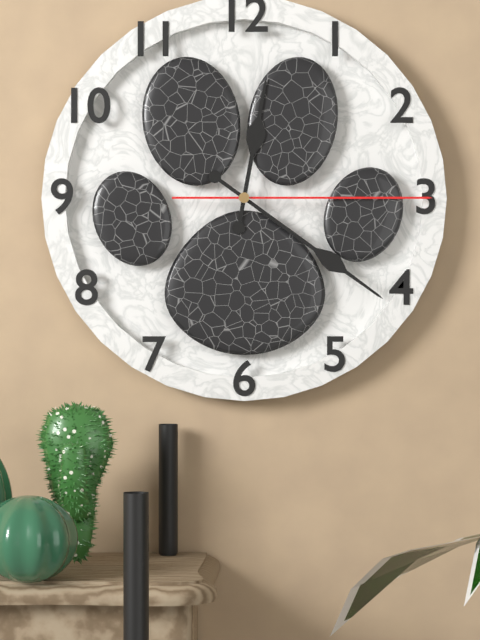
12:21:15
